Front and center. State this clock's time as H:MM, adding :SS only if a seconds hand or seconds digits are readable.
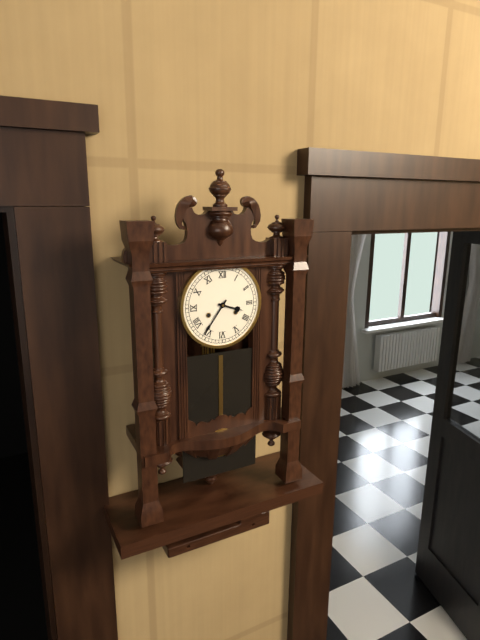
3:36
